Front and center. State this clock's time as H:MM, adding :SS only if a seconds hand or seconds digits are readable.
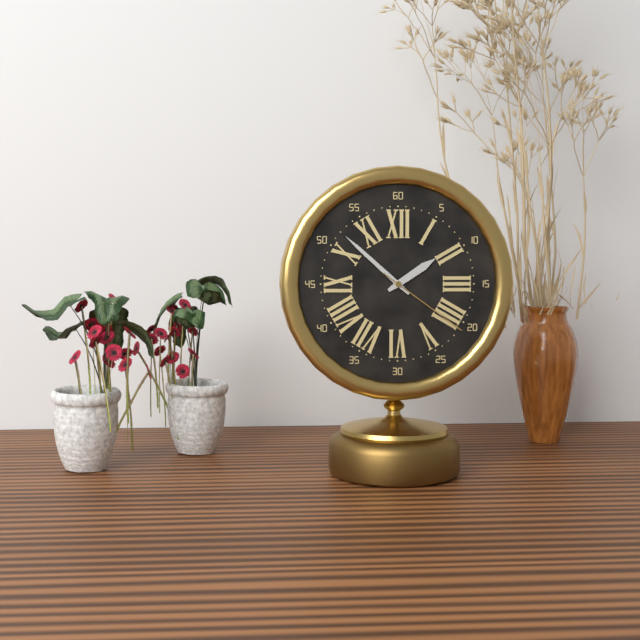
1:52:21
